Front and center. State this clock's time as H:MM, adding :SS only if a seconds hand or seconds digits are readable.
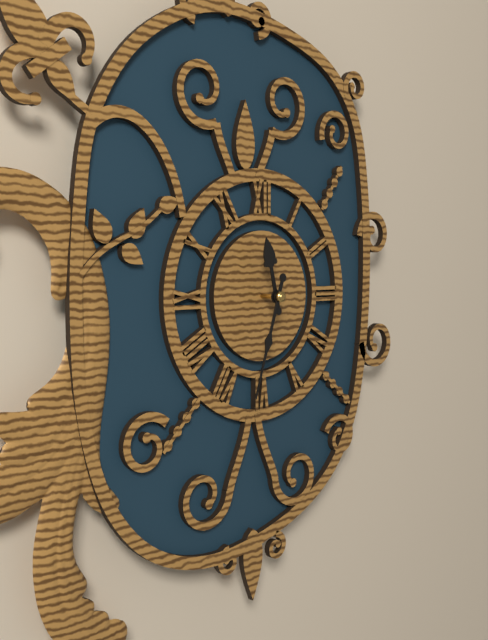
11:33
